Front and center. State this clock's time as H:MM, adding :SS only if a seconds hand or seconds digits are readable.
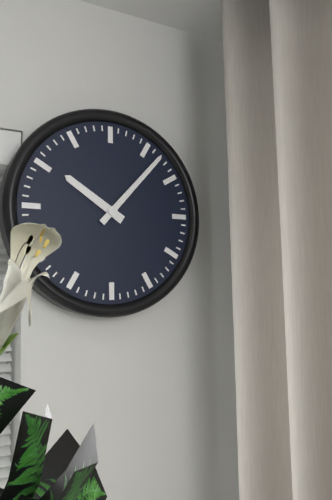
10:07
